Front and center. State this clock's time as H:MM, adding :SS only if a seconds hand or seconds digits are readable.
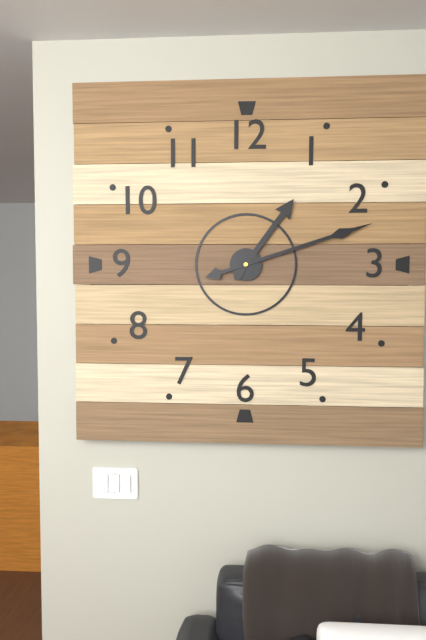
1:12
